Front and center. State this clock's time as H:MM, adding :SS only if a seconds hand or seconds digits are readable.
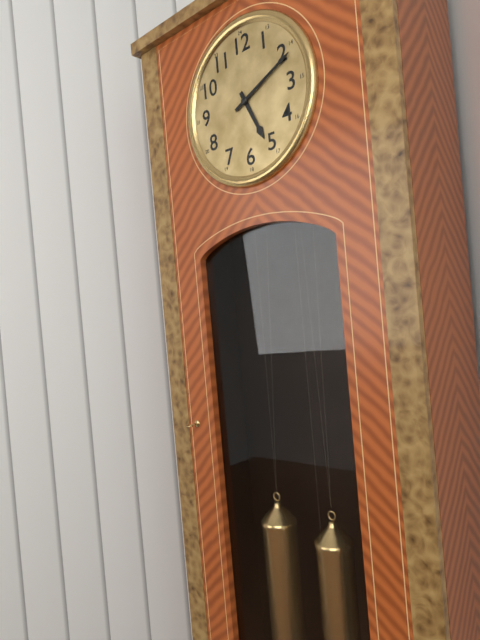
5:11
